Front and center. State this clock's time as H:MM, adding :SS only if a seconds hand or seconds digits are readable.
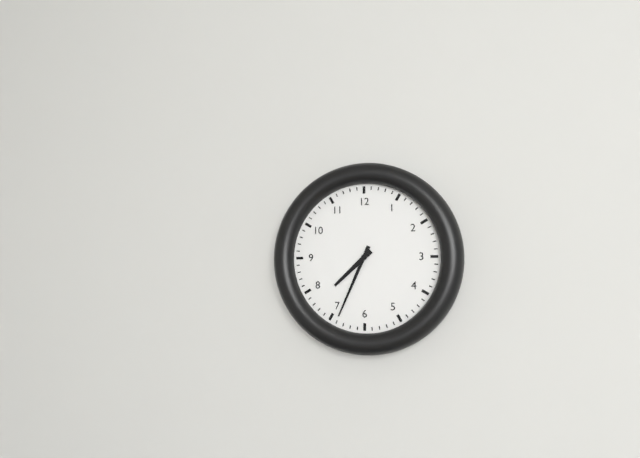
7:34
